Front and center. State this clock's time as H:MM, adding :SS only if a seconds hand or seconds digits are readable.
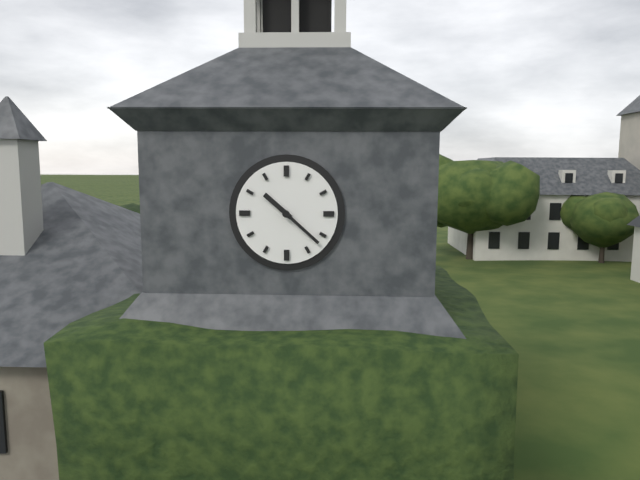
10:22
